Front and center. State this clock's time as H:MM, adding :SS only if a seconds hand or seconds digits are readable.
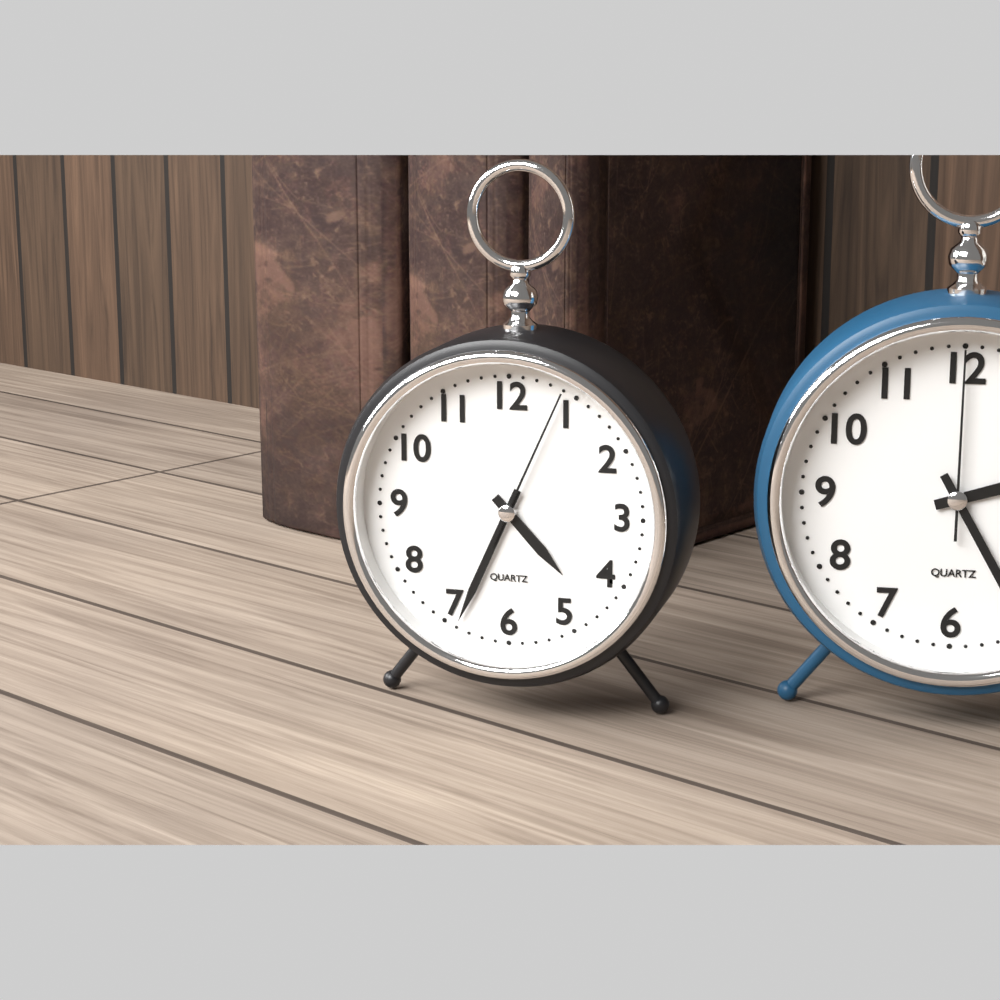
4:34:04
